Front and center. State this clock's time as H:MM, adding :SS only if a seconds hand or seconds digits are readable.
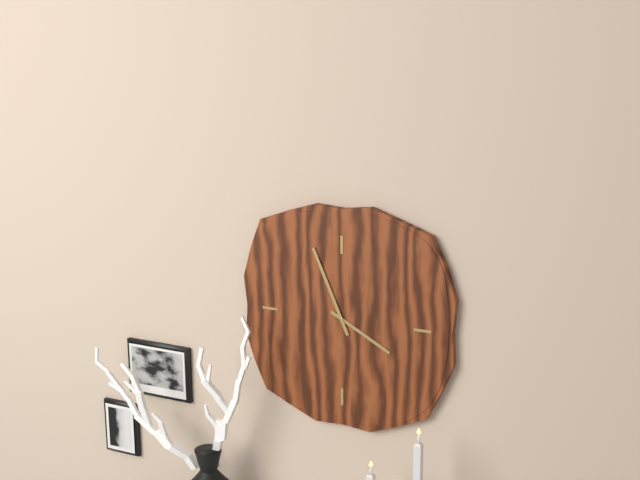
3:56
